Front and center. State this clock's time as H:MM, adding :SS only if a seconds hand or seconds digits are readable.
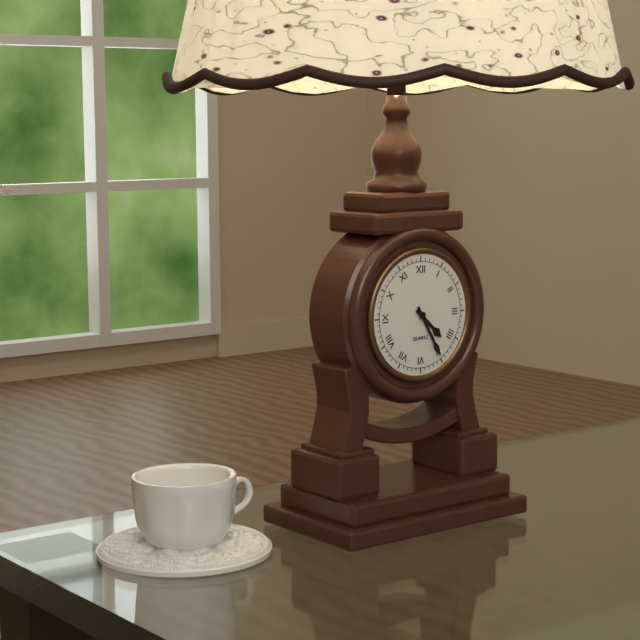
4:25
